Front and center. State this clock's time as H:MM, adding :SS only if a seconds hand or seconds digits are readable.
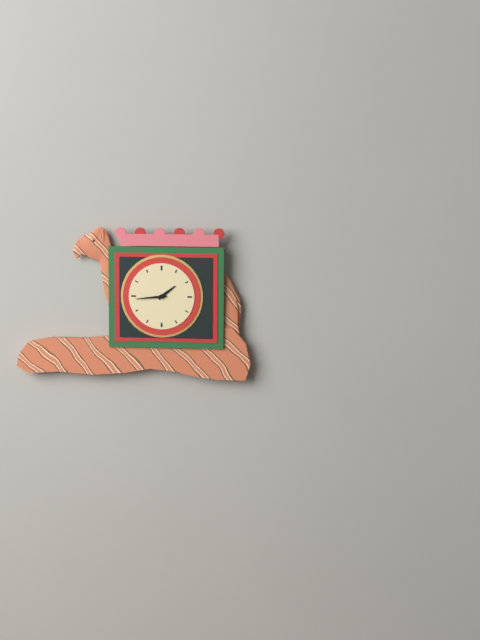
1:44
